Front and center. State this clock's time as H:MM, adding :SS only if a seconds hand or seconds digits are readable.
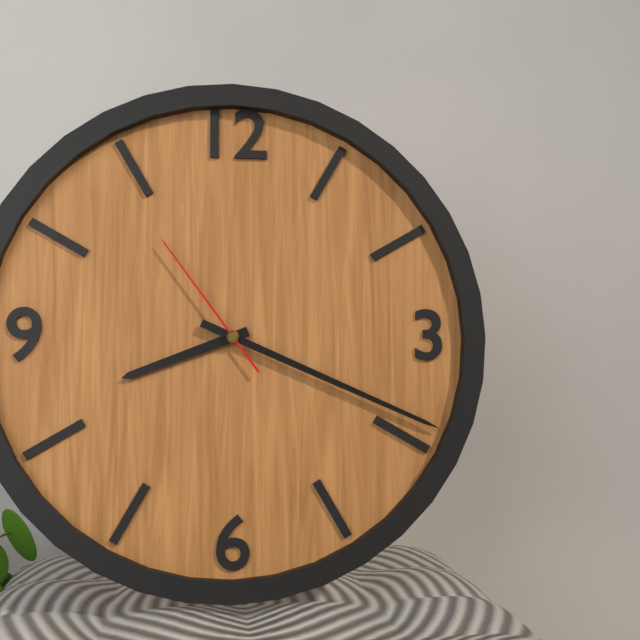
8:19:54
